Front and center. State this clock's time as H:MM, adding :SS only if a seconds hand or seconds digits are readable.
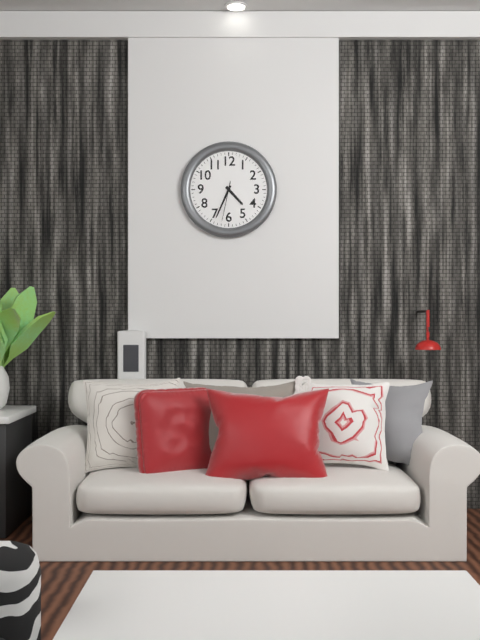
4:34
